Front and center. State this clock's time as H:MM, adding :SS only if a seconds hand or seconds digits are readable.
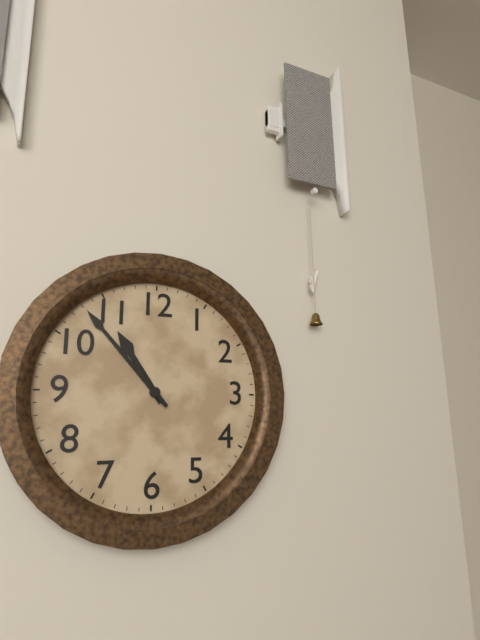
10:53
